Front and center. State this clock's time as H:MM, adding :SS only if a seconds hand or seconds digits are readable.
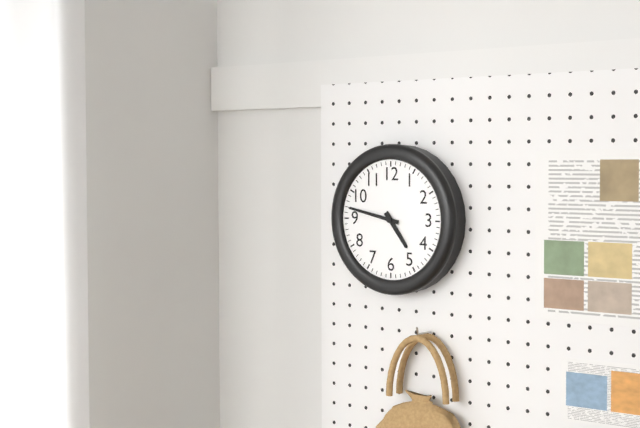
4:47
